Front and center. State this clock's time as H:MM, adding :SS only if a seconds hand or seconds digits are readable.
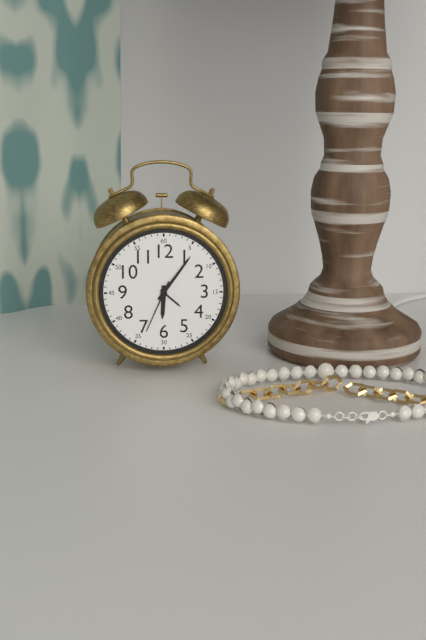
6:06:34
